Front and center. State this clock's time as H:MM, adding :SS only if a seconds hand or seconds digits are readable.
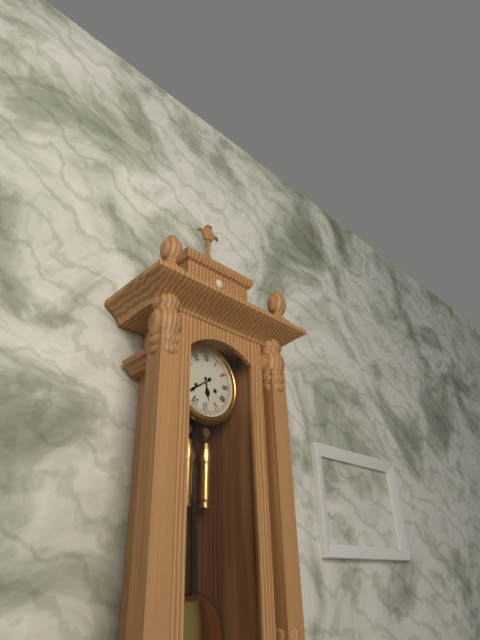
5:39
